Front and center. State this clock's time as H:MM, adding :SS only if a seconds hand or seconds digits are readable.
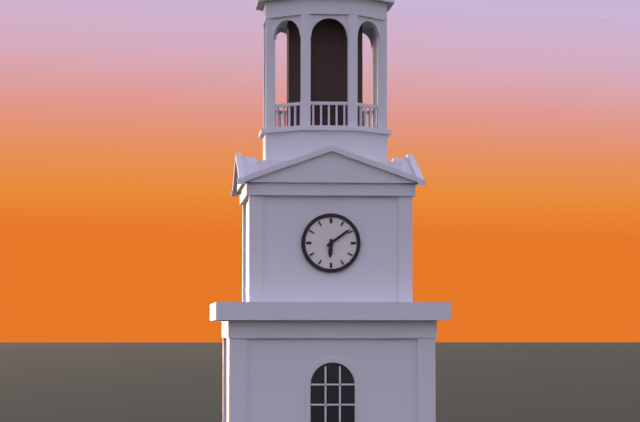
6:09
